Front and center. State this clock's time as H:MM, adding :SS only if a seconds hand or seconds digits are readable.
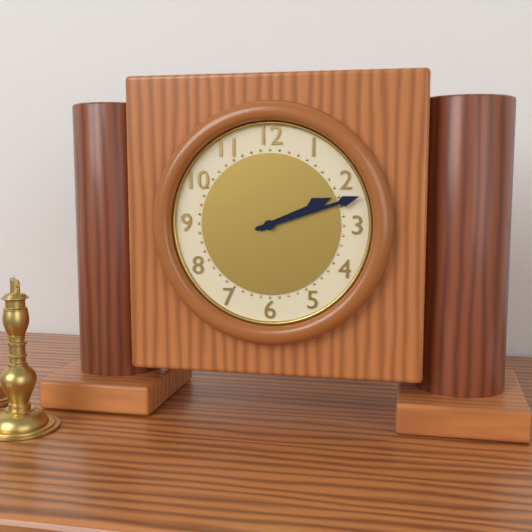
2:12
